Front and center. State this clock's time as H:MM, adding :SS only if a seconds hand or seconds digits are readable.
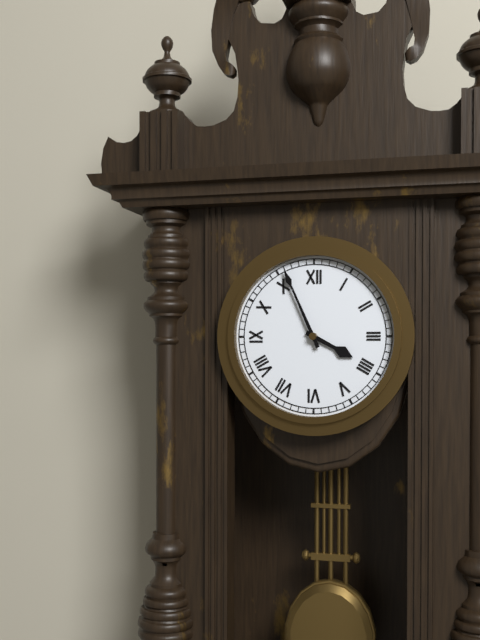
3:56
